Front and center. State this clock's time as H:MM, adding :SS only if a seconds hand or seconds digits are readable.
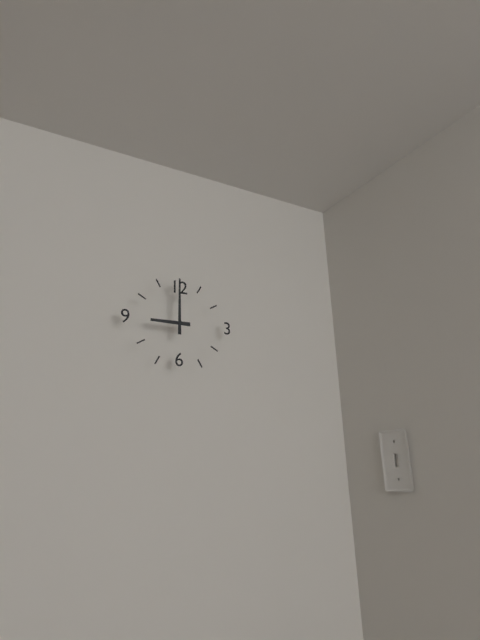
9:00
